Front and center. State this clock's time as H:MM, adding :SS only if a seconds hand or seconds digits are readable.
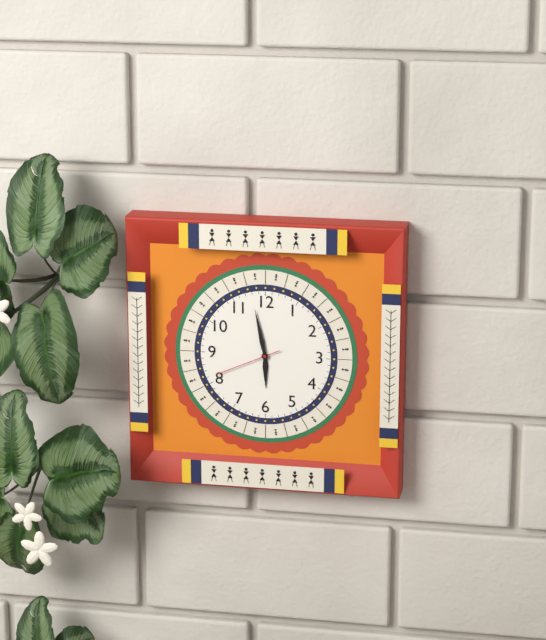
5:58:41
